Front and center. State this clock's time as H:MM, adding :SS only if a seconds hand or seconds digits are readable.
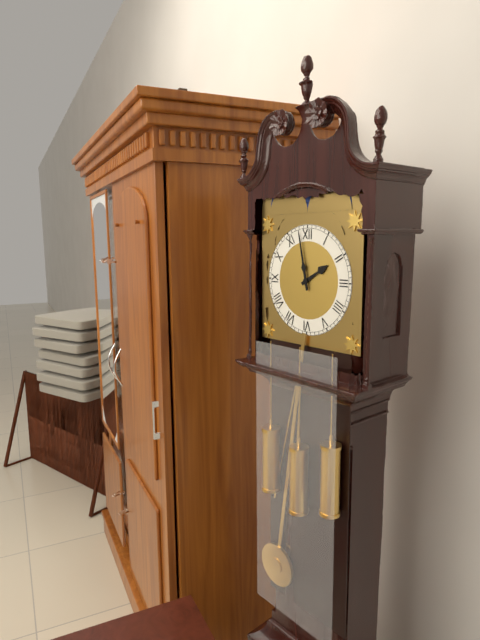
1:58
